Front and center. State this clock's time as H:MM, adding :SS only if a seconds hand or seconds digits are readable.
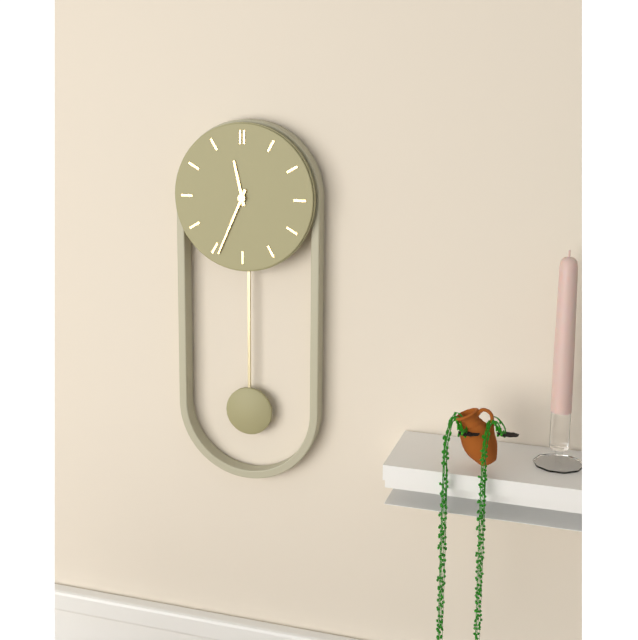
11:34
